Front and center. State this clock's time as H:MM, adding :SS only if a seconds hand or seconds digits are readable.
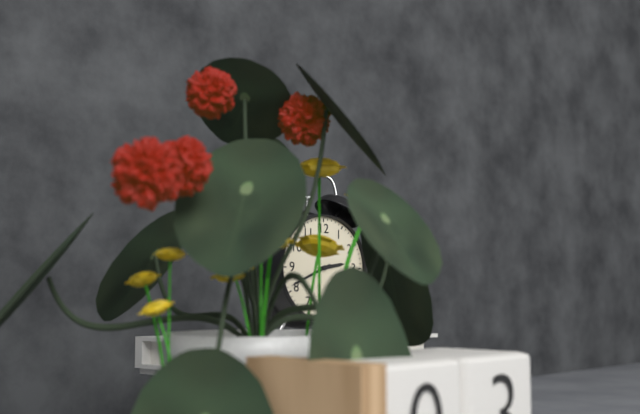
2:41
